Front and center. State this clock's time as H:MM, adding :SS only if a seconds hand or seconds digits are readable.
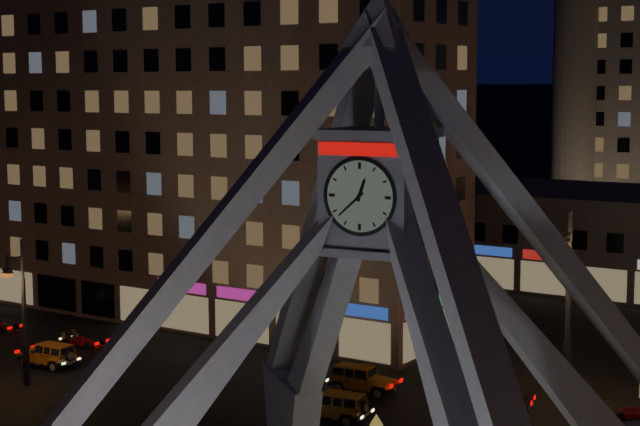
12:38
